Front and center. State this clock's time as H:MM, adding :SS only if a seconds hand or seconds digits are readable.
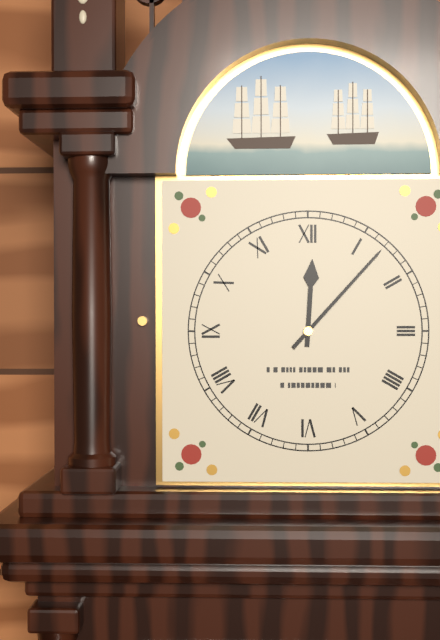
12:07
